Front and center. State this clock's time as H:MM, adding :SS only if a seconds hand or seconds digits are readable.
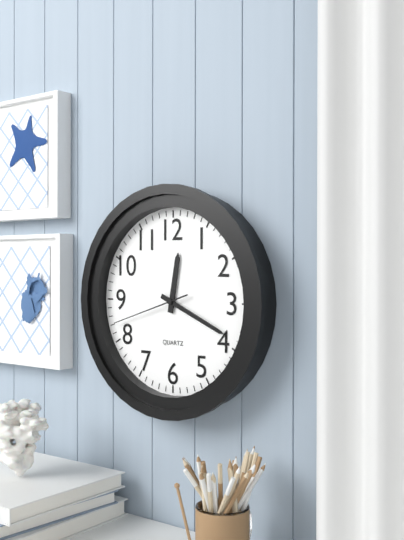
12:19:42
